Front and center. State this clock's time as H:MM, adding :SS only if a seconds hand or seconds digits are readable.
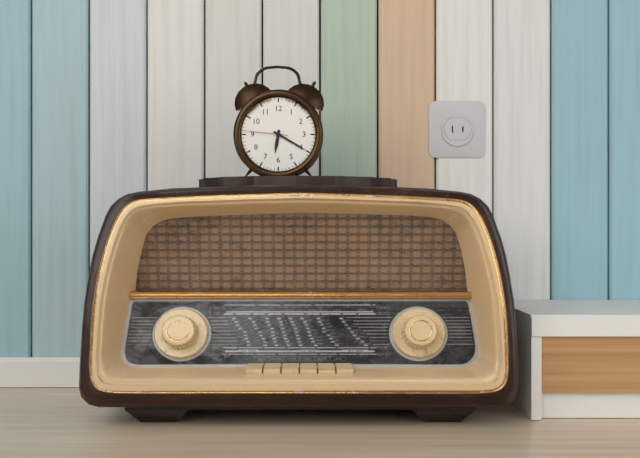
6:20
